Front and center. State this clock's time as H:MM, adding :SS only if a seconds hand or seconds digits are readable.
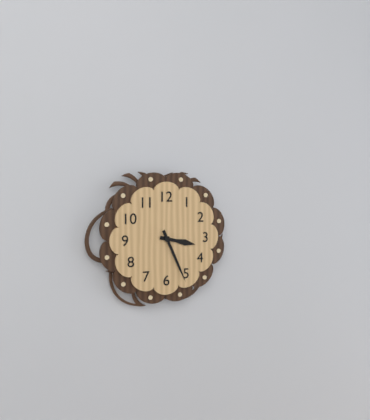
3:26
